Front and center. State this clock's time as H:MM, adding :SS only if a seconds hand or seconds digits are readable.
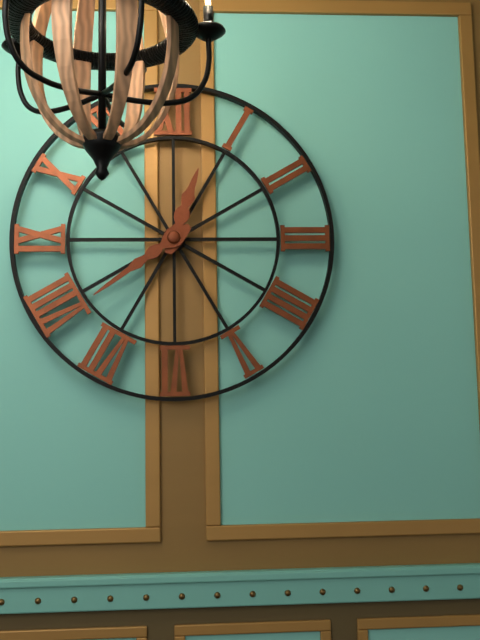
12:39
